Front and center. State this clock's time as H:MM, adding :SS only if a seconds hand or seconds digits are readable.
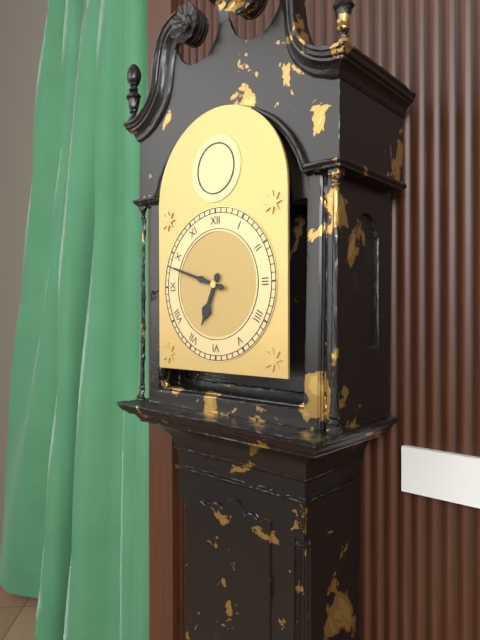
6:48
